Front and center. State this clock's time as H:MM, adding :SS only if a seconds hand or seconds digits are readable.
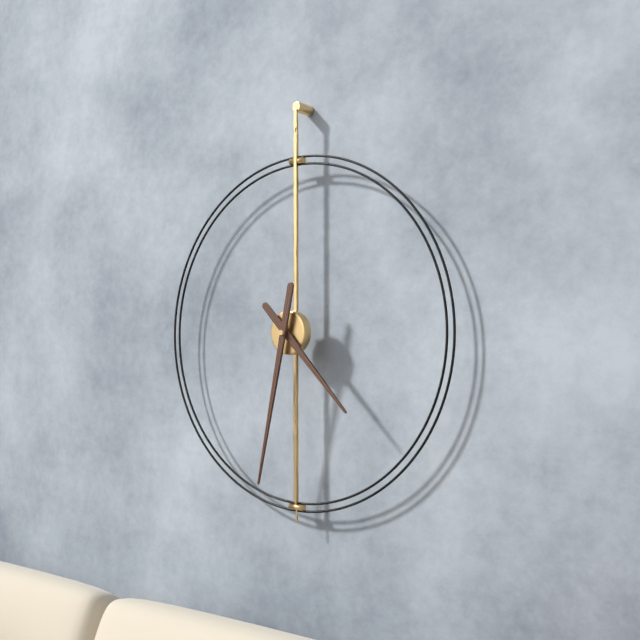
4:32
